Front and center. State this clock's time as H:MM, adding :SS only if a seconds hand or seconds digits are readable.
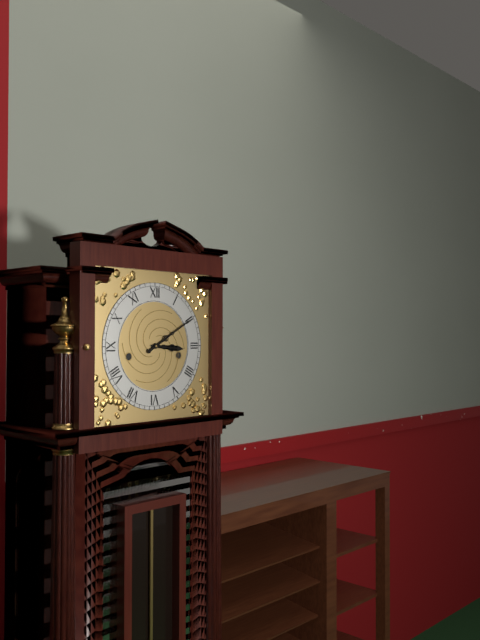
3:10
